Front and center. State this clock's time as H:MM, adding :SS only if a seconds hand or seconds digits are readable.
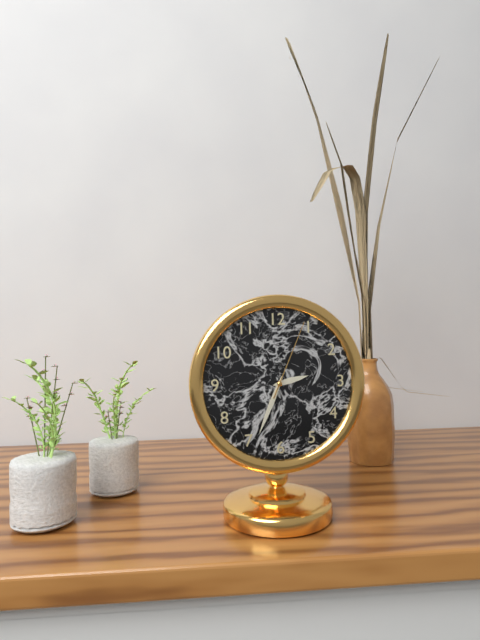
2:34:04
